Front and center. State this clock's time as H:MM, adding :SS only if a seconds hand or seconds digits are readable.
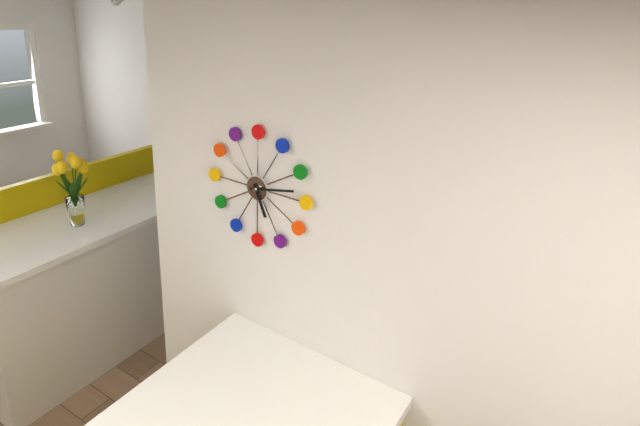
5:13
